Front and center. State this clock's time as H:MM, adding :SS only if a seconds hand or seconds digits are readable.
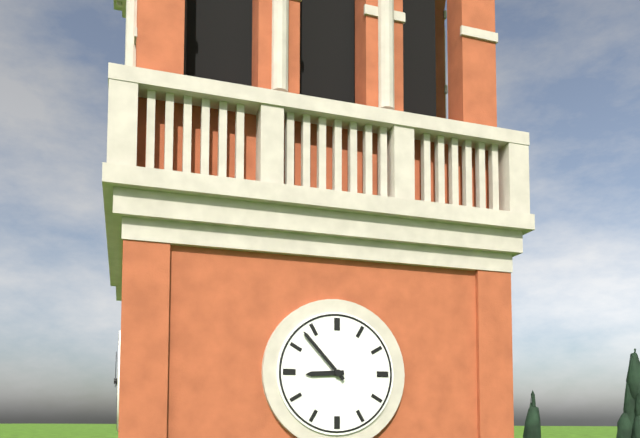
8:53
